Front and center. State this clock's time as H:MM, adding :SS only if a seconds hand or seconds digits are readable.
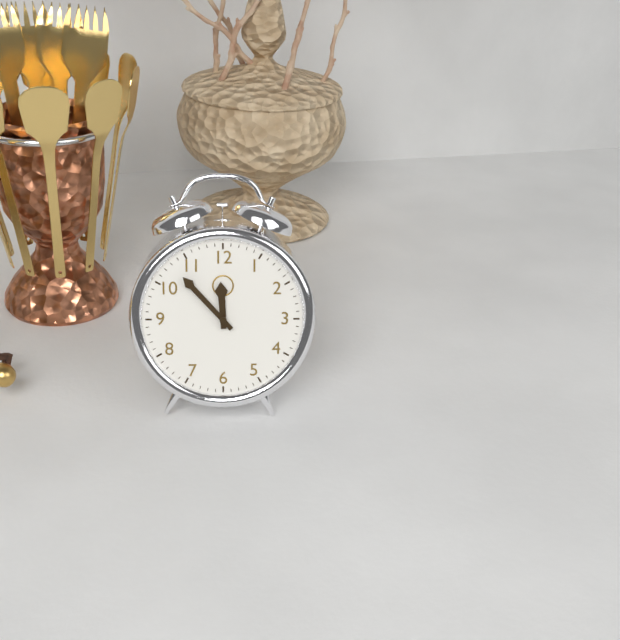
11:53
